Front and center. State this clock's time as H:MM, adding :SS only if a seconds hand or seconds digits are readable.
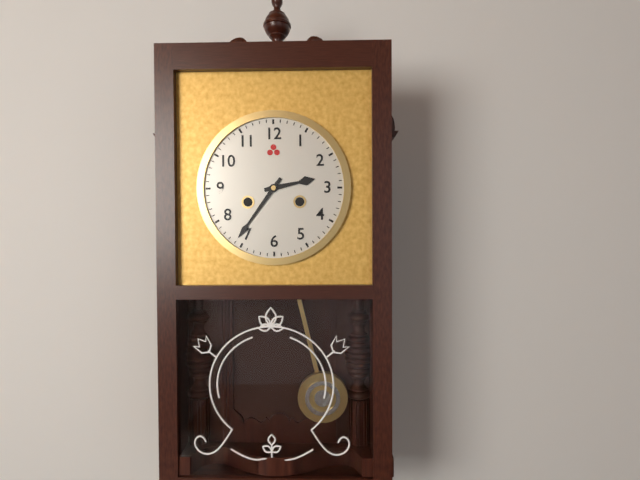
2:36
